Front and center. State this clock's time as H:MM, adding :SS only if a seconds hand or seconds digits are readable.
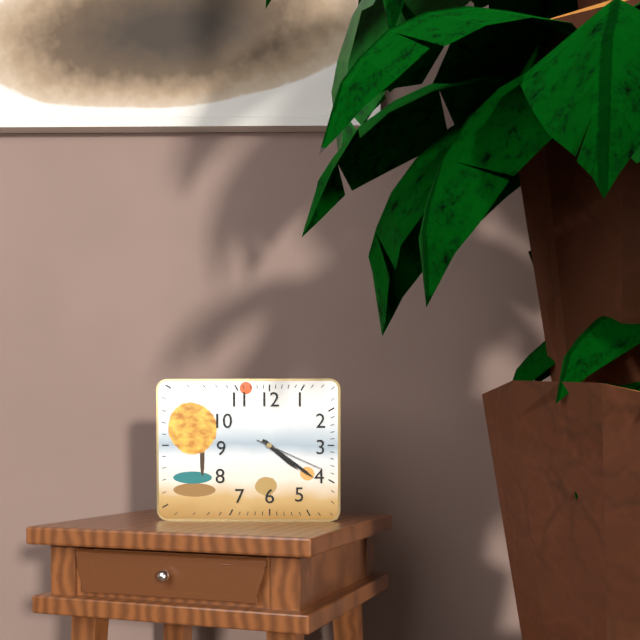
4:21:19
